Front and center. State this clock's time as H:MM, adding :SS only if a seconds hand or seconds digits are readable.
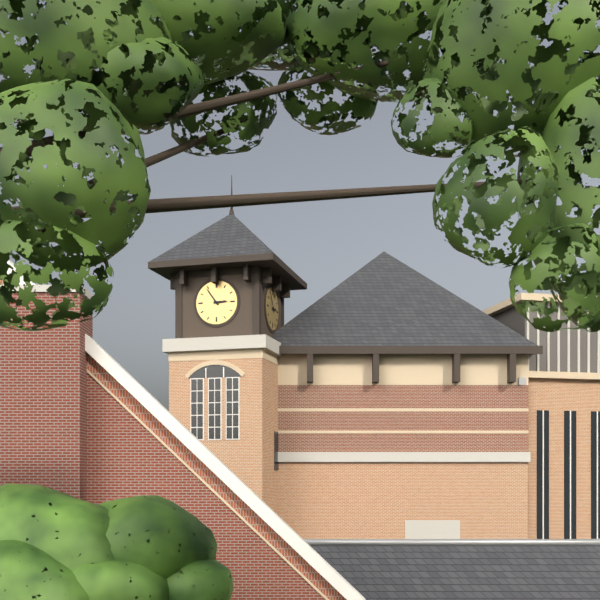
2:54
